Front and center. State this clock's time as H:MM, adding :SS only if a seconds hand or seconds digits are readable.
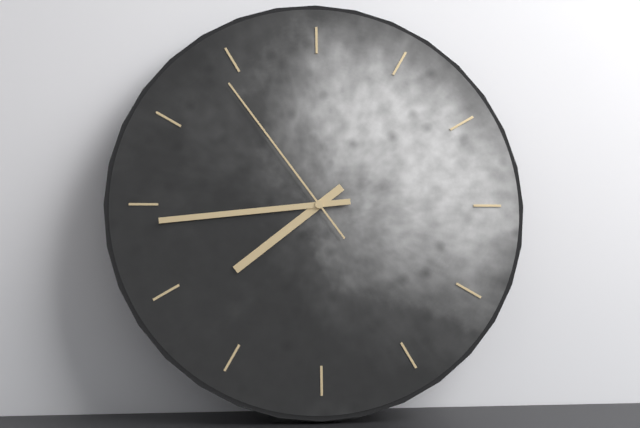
7:44:54
